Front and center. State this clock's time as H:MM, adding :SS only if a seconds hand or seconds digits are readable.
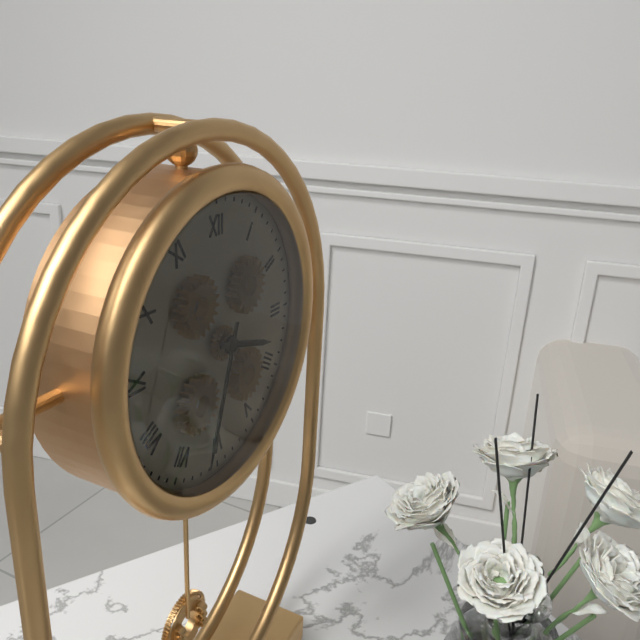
3:33
